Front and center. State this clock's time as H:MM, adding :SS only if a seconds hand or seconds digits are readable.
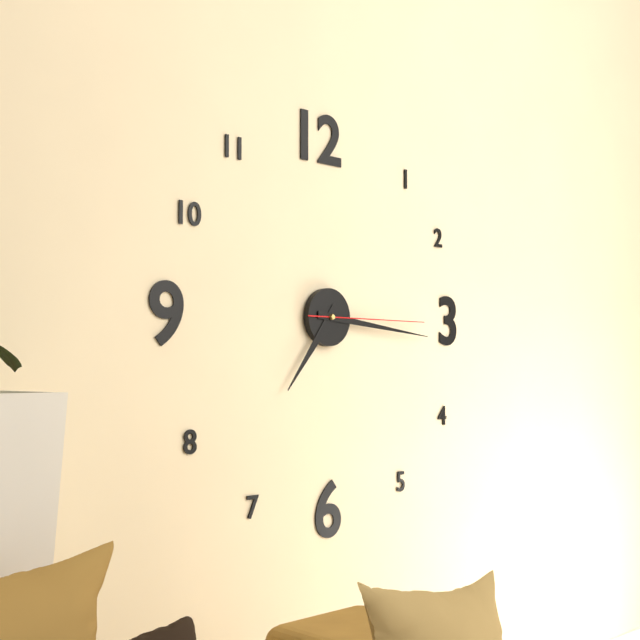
7:16:15
